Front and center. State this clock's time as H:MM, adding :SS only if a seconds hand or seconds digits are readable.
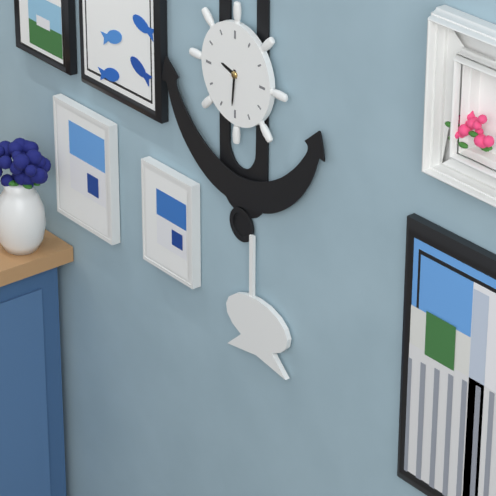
9:31
